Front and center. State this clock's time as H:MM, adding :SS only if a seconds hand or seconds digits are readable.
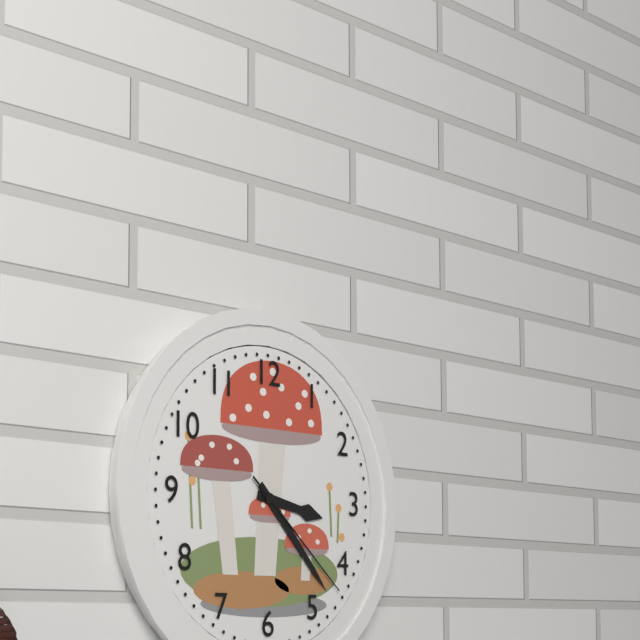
3:23:22
